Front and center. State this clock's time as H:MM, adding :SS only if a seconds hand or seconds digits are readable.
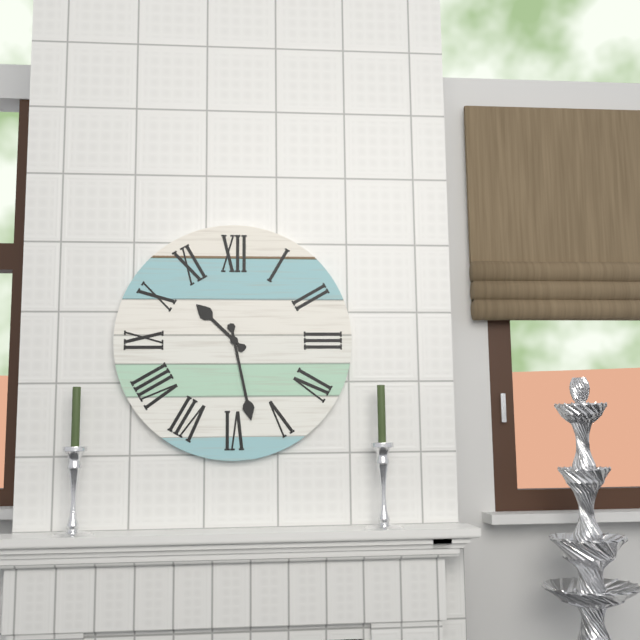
10:28
